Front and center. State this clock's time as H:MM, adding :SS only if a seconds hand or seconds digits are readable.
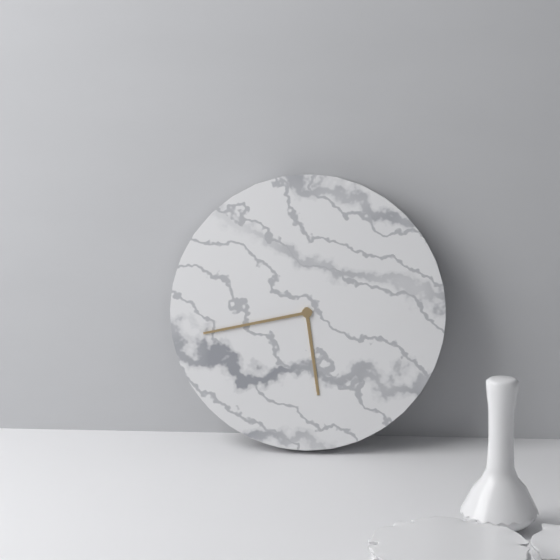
5:43
